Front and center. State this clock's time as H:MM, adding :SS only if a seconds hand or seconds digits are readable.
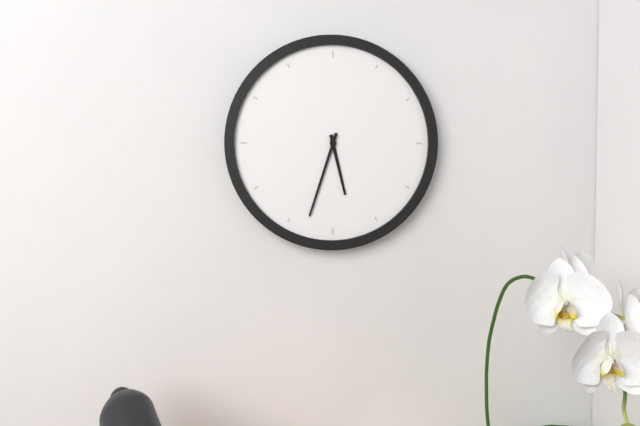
5:33
